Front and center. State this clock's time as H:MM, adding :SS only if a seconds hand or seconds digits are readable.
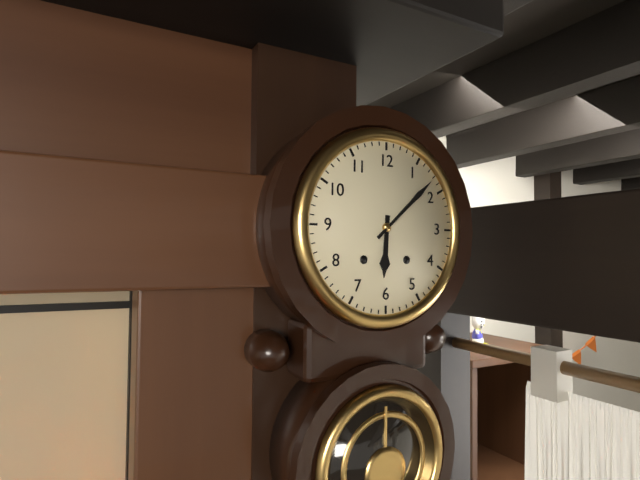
6:08
